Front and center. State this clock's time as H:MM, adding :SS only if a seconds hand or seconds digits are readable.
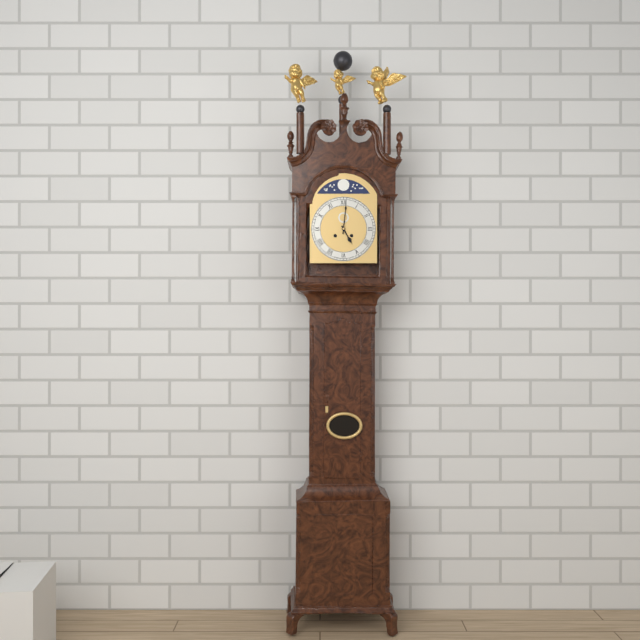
5:01
